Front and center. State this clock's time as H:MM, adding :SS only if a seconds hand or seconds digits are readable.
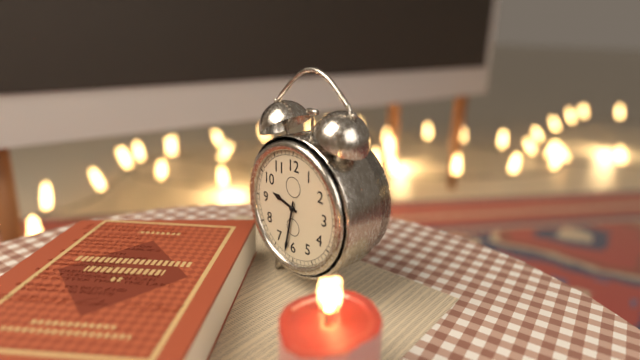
9:32
